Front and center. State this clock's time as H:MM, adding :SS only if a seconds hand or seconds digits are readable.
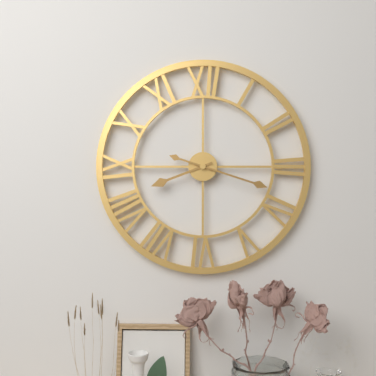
8:18
